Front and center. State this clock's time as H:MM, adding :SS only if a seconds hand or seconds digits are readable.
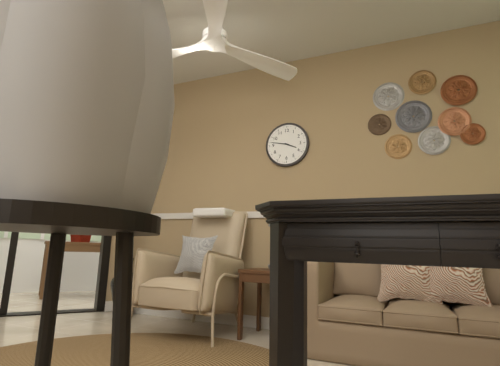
3:47
